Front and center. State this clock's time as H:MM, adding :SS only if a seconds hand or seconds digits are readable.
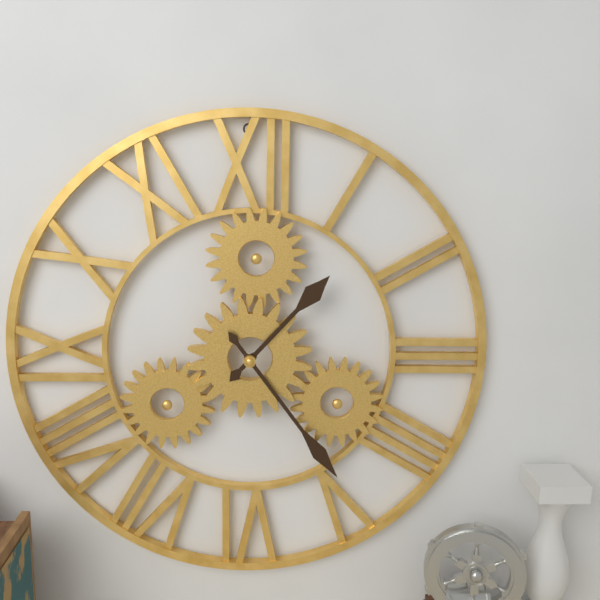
1:24
